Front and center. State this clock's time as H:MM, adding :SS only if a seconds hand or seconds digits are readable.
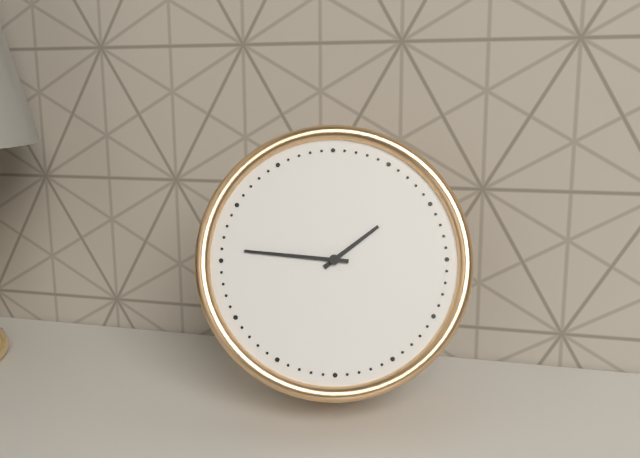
1:46
